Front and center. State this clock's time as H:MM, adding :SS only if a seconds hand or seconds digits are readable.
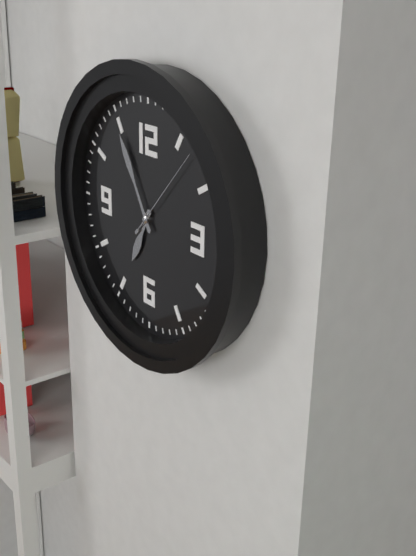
6:55:07
